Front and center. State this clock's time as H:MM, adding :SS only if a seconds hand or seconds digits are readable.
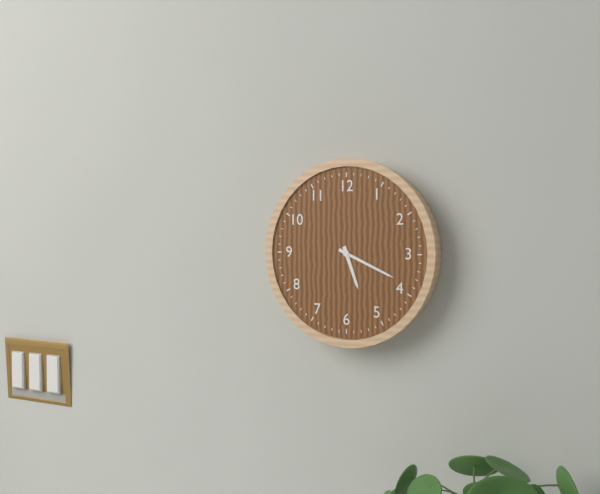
5:19
